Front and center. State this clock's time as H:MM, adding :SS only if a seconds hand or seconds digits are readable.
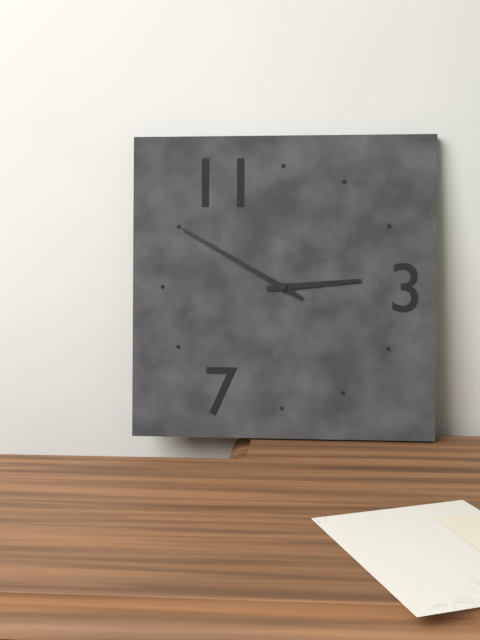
2:50
